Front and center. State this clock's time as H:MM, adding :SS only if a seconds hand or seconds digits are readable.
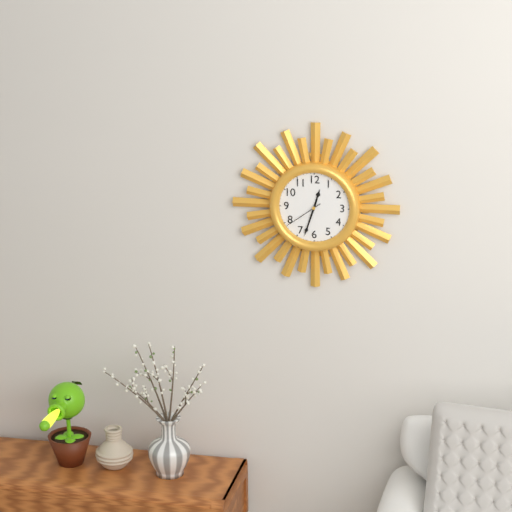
12:33
